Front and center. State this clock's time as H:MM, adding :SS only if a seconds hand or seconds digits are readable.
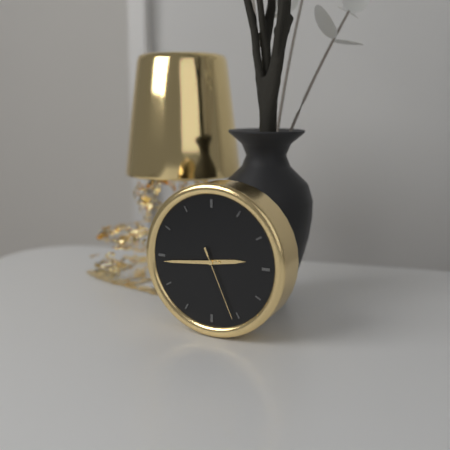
2:44:26
